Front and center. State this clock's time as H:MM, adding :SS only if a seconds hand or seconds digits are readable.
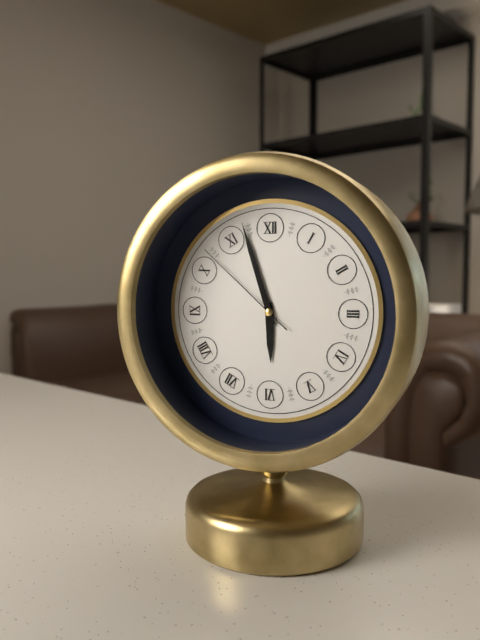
5:57:52
